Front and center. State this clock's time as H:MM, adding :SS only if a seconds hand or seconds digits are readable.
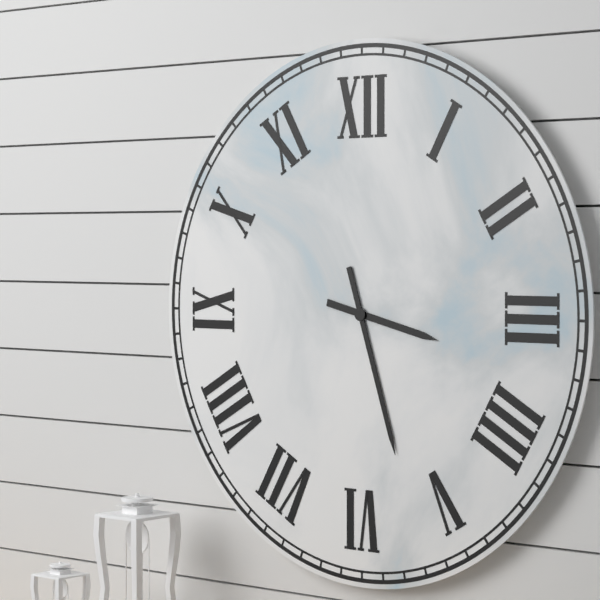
3:27
